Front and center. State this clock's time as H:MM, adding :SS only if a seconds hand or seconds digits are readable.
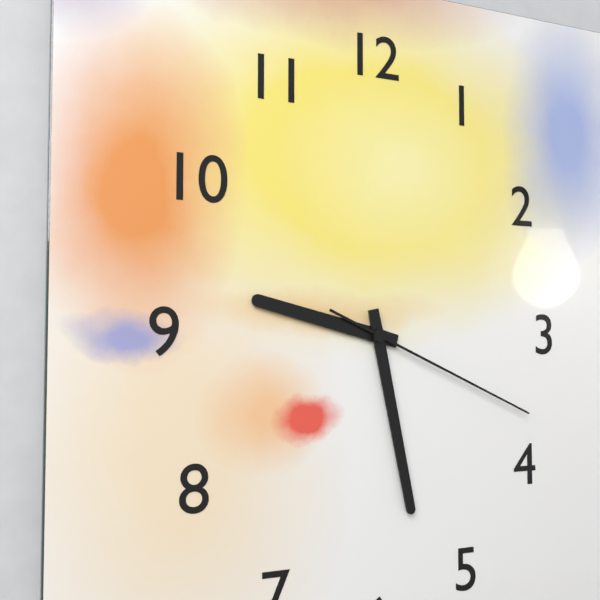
9:28:19
